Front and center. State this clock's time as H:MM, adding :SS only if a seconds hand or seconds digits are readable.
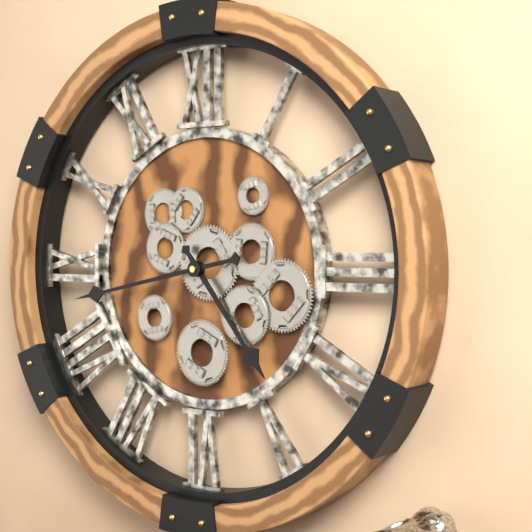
4:43
